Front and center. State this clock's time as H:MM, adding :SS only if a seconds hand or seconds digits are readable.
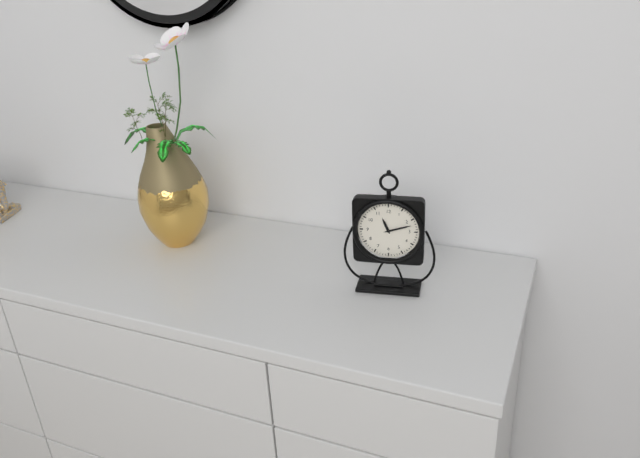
11:12
